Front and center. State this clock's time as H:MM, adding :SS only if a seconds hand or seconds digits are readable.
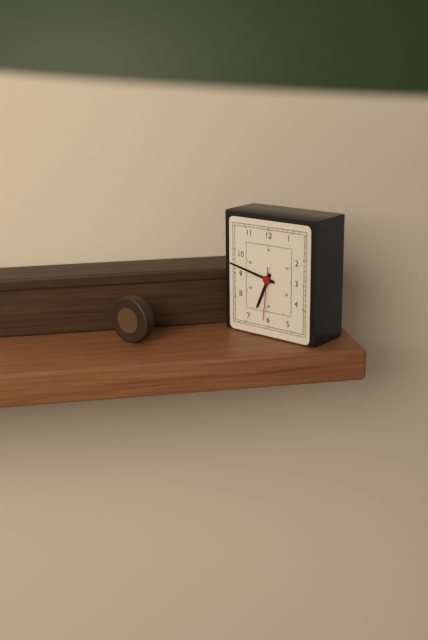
6:47:31
